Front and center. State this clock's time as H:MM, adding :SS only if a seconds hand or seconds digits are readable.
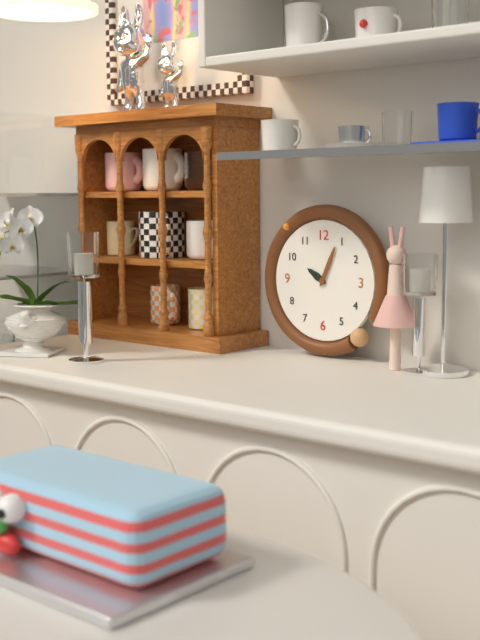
10:04
